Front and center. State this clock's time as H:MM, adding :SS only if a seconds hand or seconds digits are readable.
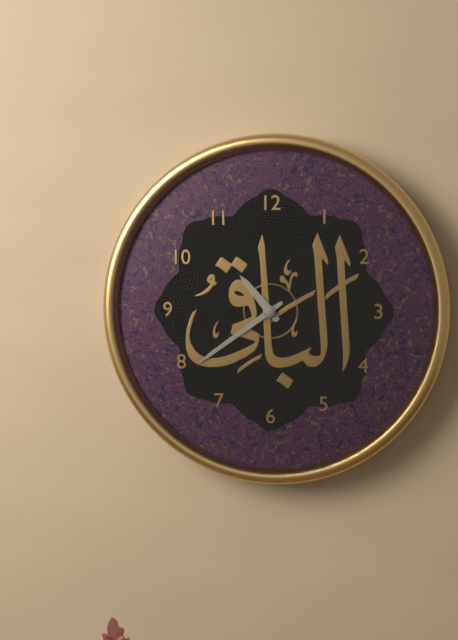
10:39
